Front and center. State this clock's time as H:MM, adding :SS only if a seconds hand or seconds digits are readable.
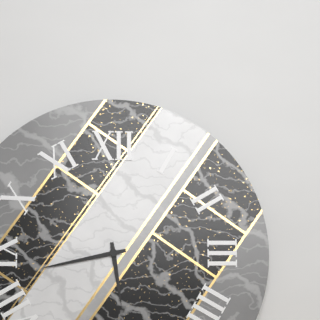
5:43
